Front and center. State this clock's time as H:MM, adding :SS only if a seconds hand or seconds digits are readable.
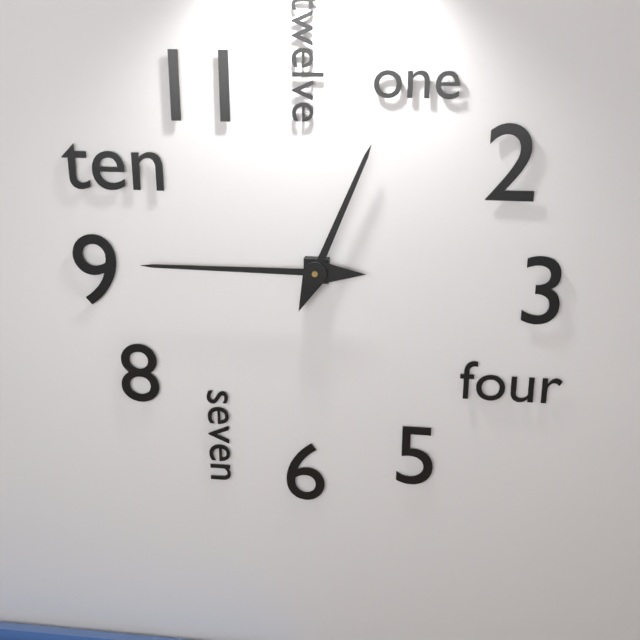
12:45
